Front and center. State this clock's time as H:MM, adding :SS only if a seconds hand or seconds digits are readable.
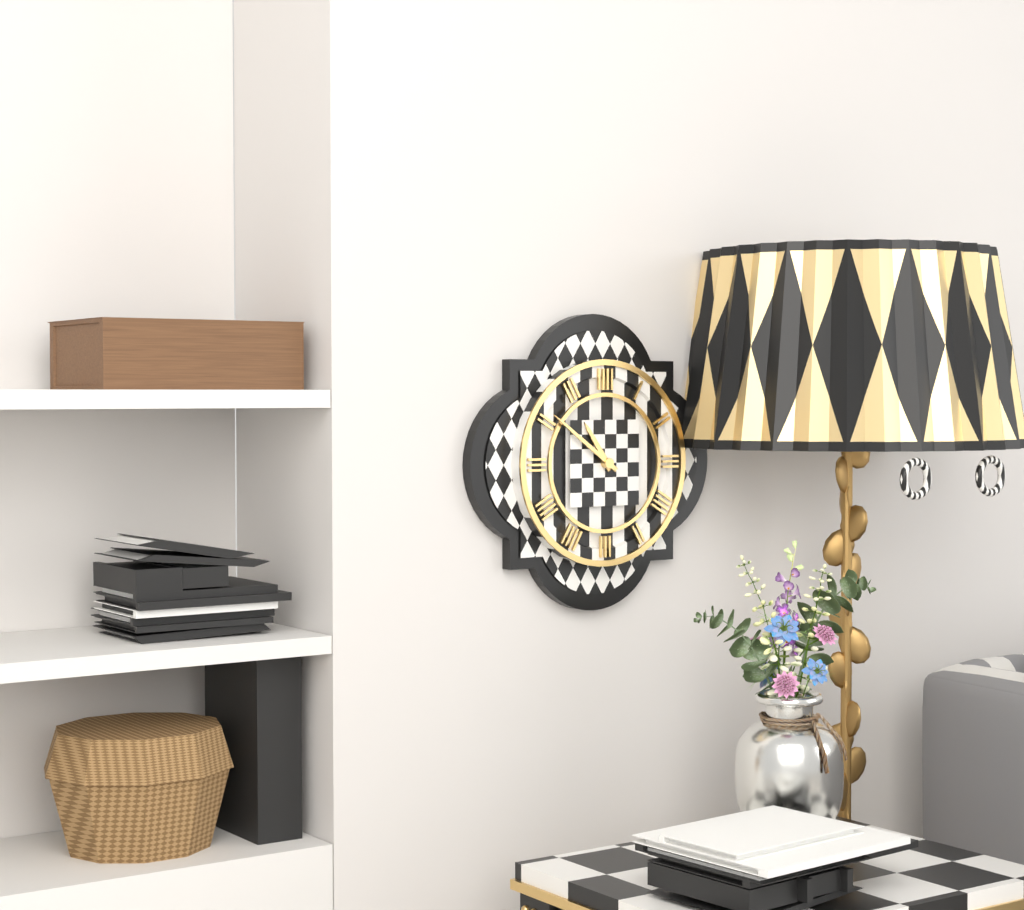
10:51
